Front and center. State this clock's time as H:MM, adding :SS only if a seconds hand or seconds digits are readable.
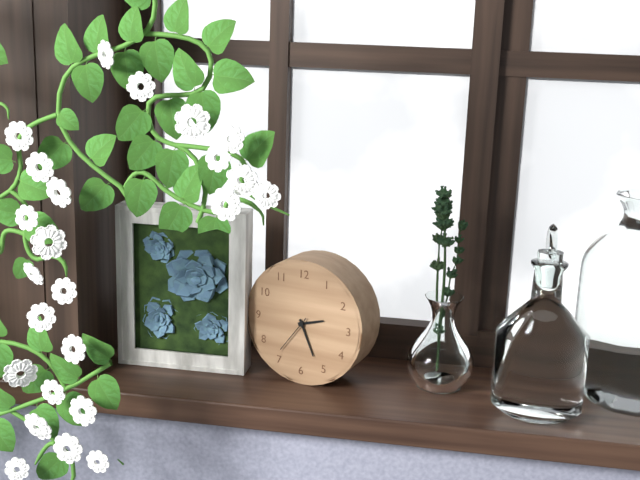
2:26:36
